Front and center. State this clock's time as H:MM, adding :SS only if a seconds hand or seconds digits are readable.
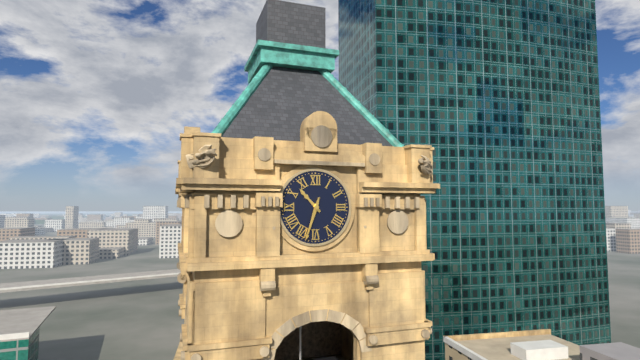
10:33
